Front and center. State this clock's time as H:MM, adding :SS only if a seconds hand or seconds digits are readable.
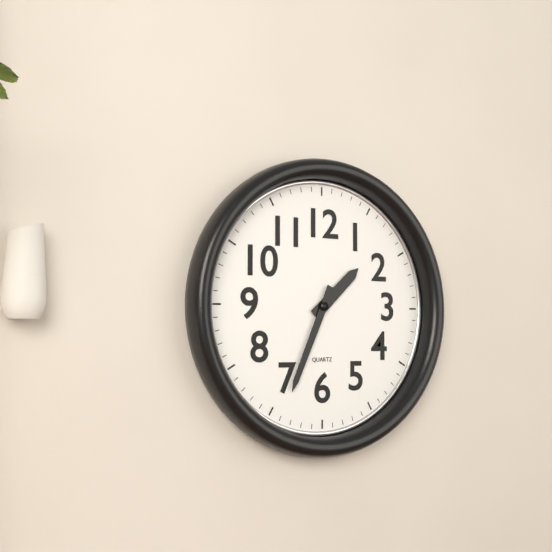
1:34
